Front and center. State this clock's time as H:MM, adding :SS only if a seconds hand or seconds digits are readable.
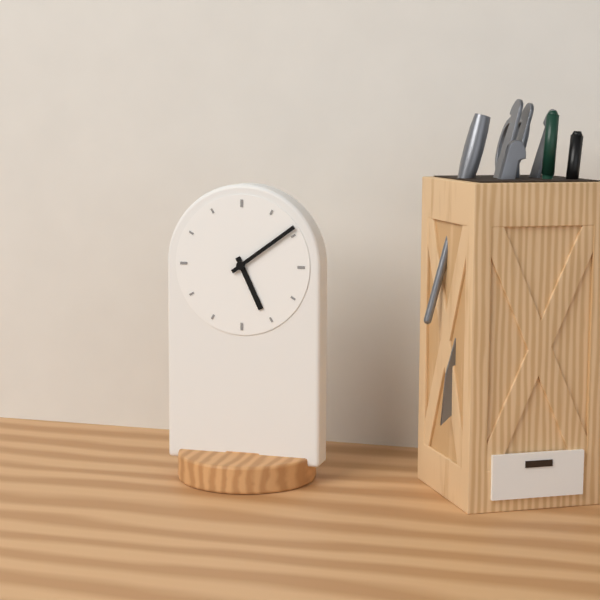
5:09
